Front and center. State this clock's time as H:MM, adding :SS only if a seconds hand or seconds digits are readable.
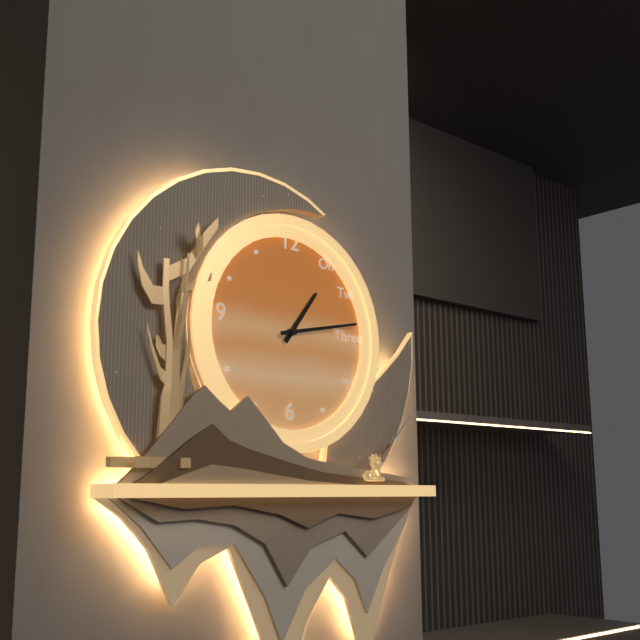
1:13
